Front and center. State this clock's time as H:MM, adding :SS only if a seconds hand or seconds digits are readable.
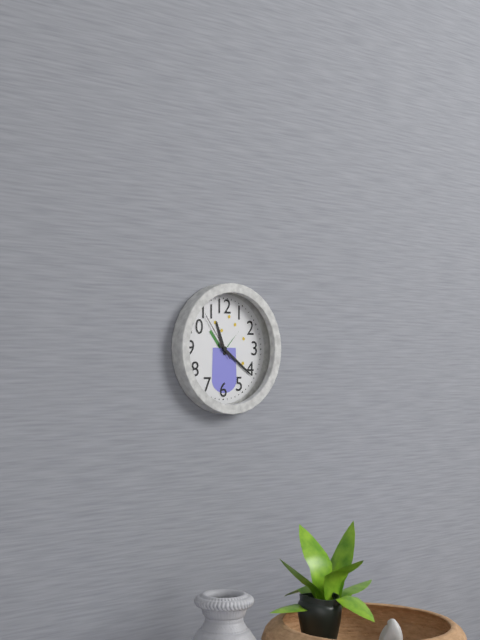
11:21:54
